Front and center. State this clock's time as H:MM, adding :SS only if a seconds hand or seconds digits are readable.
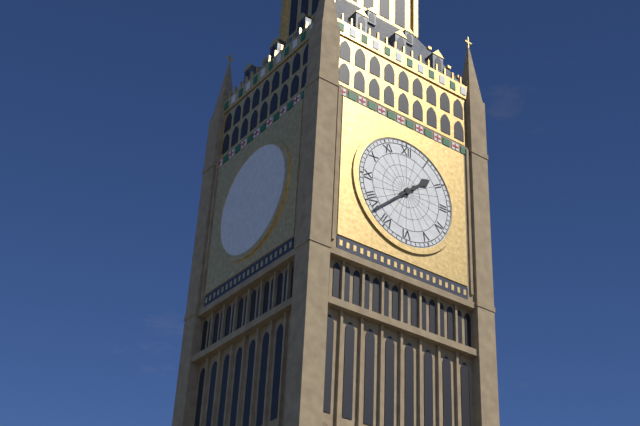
1:38
